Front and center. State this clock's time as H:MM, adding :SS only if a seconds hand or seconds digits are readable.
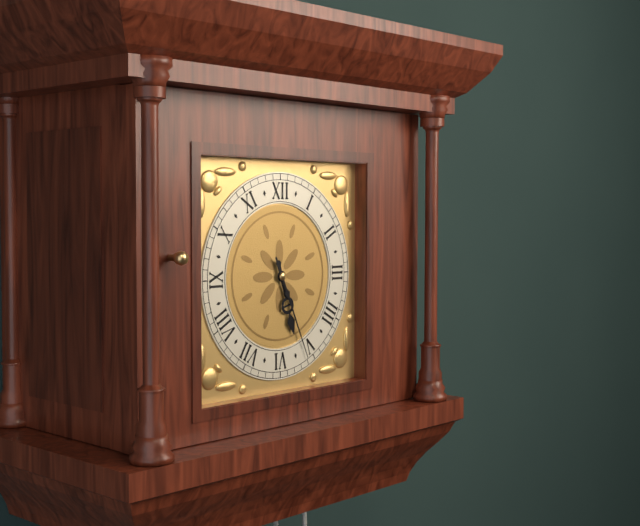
5:26
